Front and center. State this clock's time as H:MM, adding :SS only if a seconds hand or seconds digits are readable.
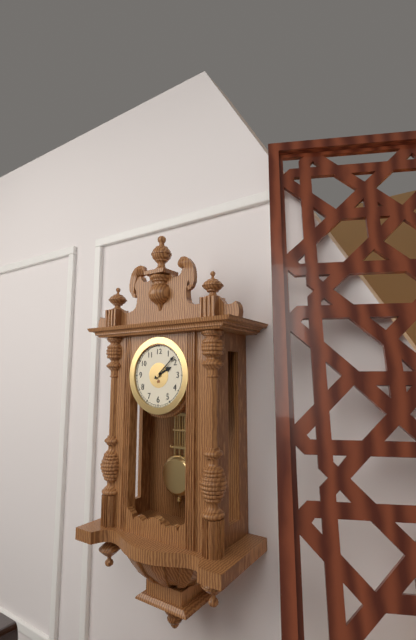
2:08
